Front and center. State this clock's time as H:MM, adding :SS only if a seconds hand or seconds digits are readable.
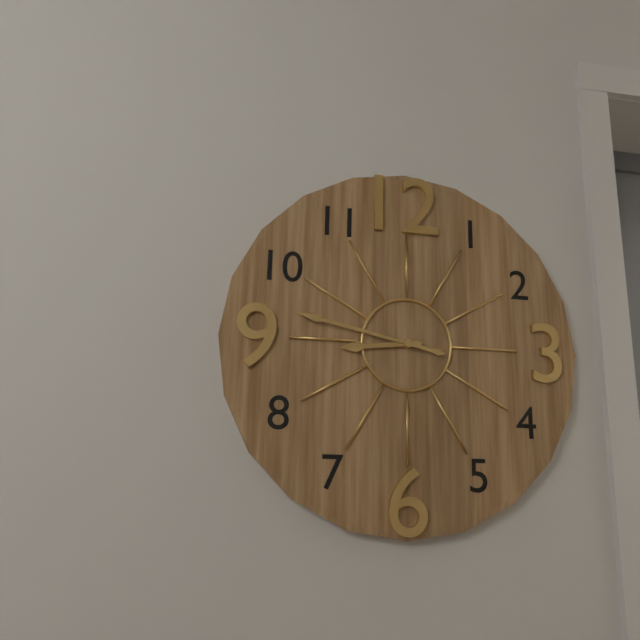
8:47
